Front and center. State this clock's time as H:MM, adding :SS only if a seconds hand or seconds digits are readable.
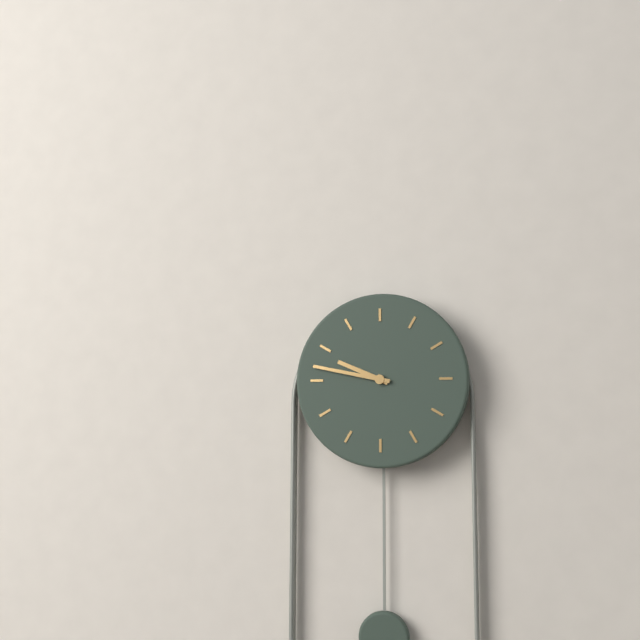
9:47
